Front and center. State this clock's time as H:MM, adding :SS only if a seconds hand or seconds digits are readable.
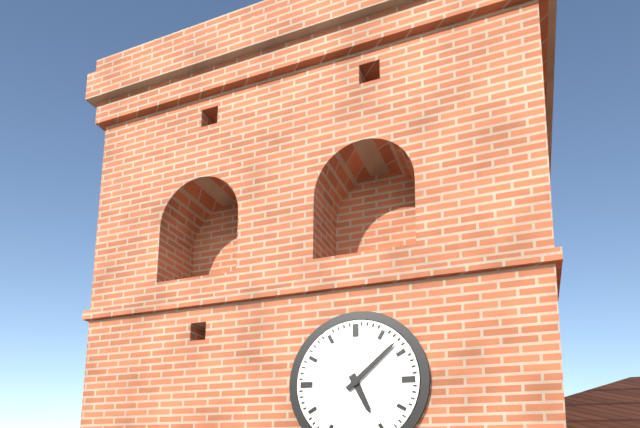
5:08
